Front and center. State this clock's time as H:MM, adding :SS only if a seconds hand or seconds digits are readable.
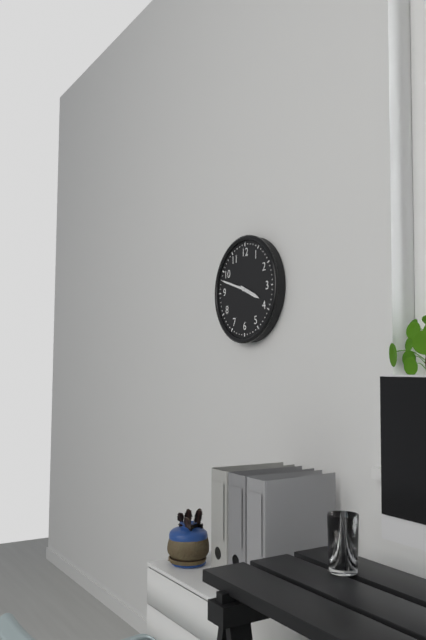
3:48
